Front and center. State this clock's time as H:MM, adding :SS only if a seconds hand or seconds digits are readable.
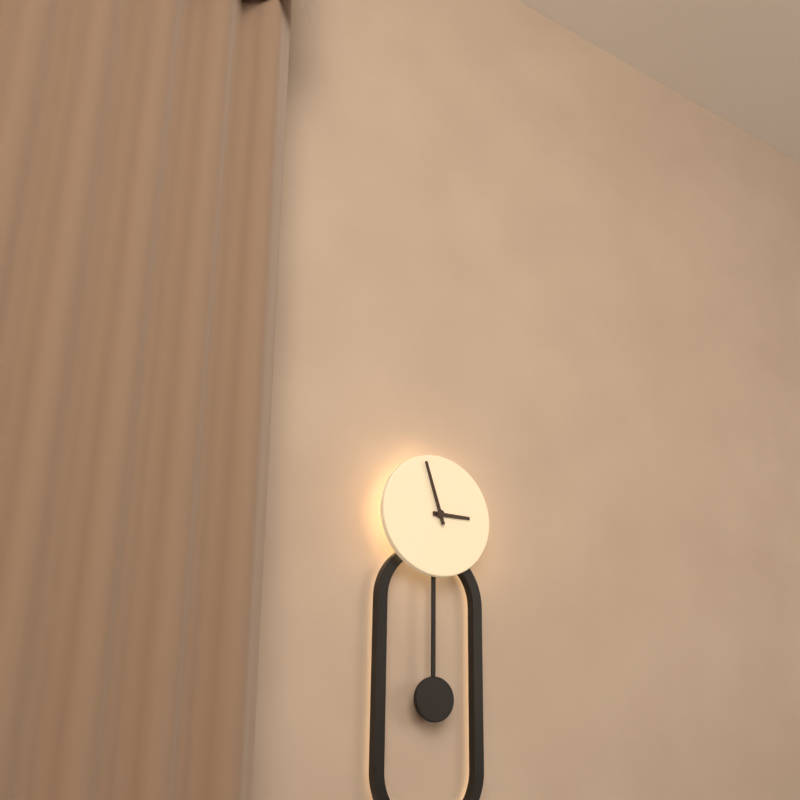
2:57
